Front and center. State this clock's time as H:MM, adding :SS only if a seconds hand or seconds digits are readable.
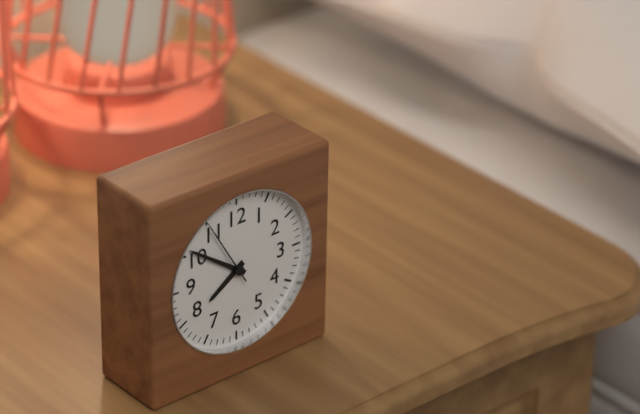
7:51:55
